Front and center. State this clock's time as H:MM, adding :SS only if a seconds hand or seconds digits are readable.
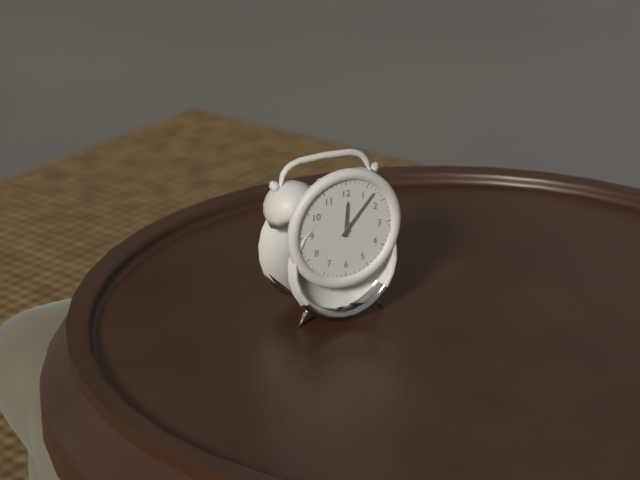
12:07
